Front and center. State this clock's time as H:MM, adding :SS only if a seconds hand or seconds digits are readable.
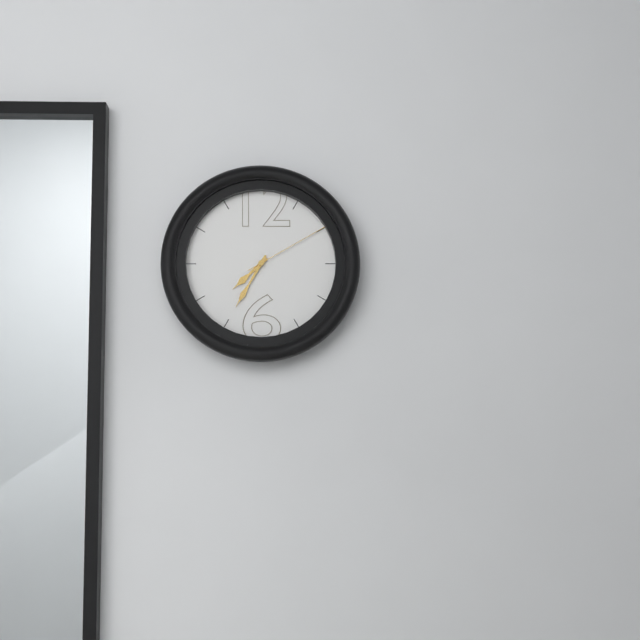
7:35:10
